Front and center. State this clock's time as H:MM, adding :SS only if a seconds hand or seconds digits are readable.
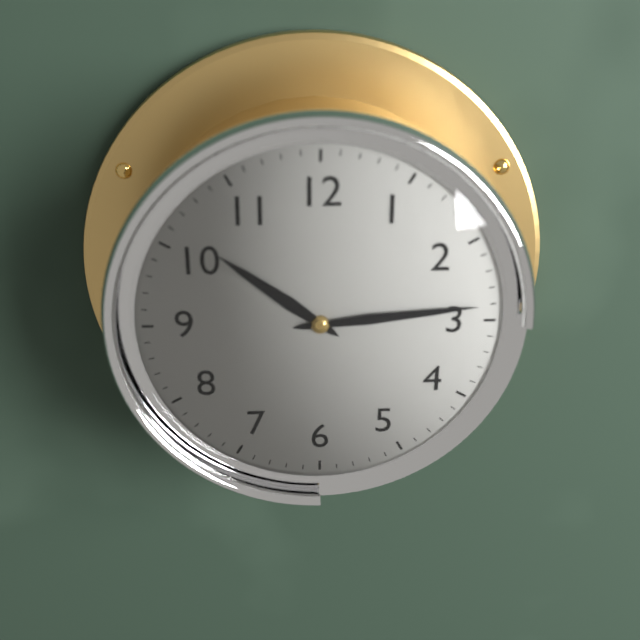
10:14
